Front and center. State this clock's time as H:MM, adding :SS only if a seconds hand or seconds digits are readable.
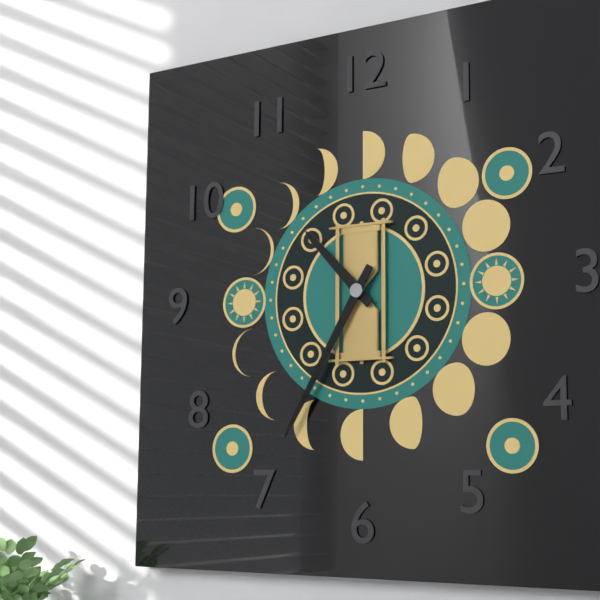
10:35
